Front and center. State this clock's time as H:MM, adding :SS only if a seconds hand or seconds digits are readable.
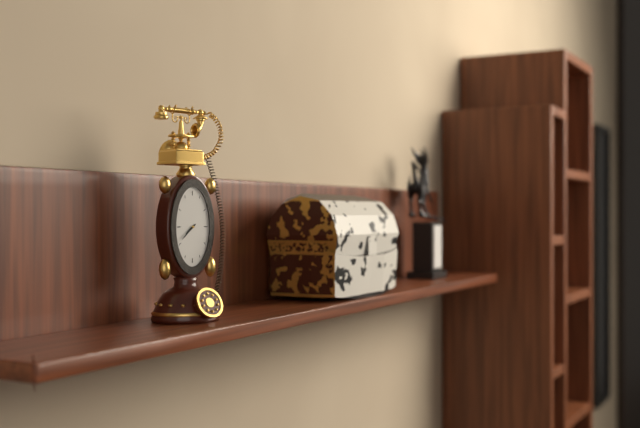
7:38
